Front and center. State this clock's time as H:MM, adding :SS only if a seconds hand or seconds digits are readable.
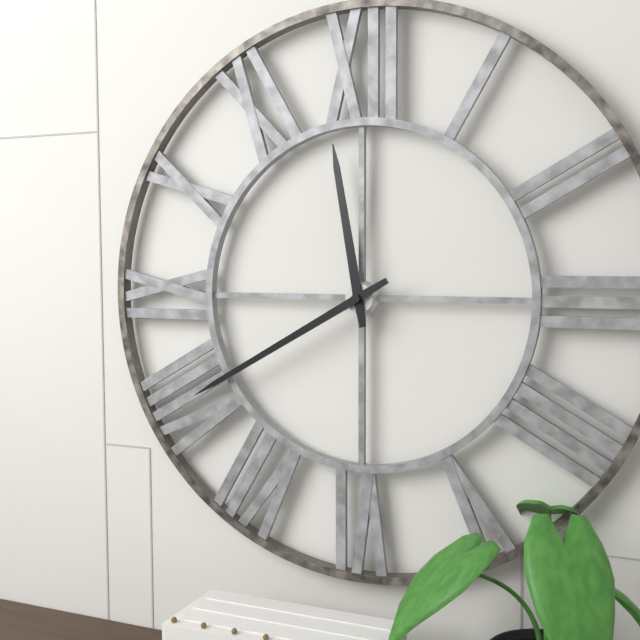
11:40
